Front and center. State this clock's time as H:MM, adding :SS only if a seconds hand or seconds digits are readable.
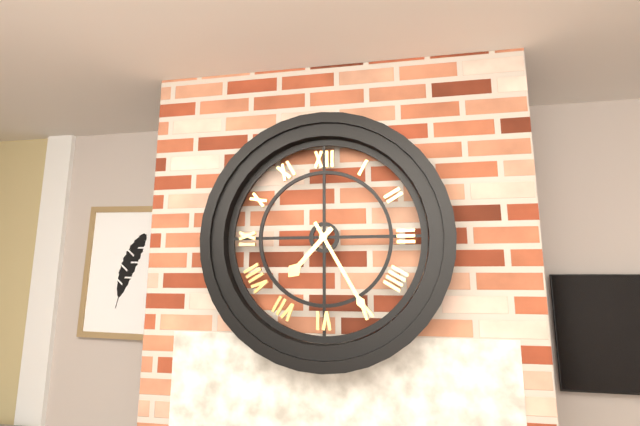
7:25
